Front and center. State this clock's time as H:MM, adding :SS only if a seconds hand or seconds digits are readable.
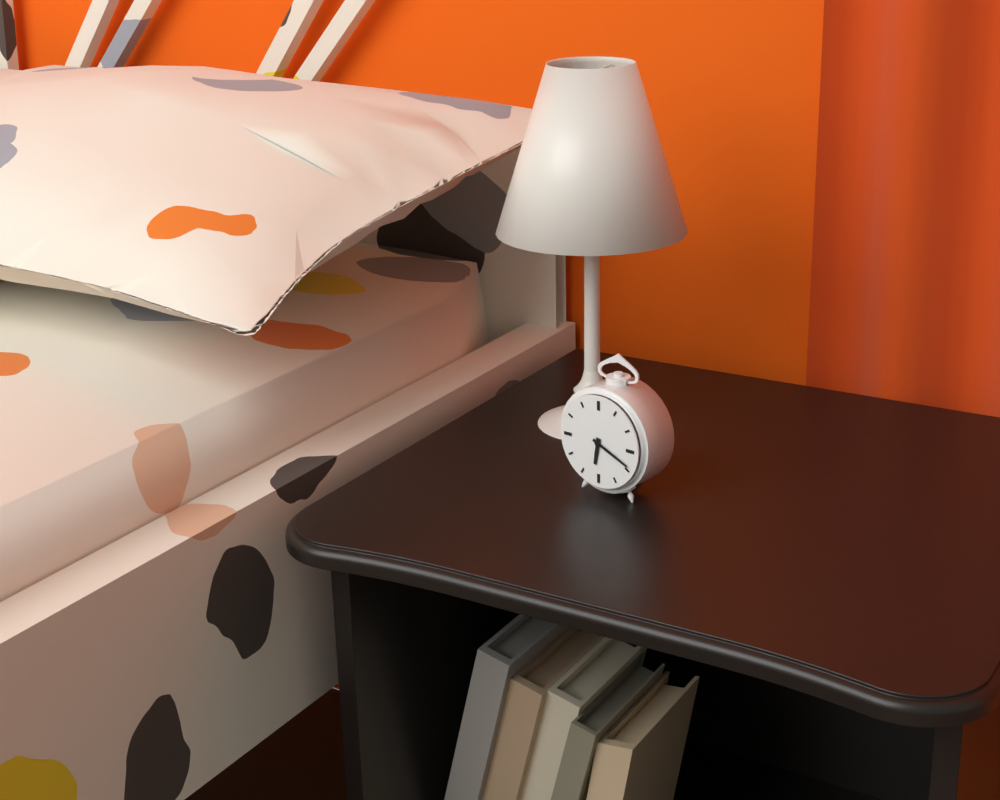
6:19
